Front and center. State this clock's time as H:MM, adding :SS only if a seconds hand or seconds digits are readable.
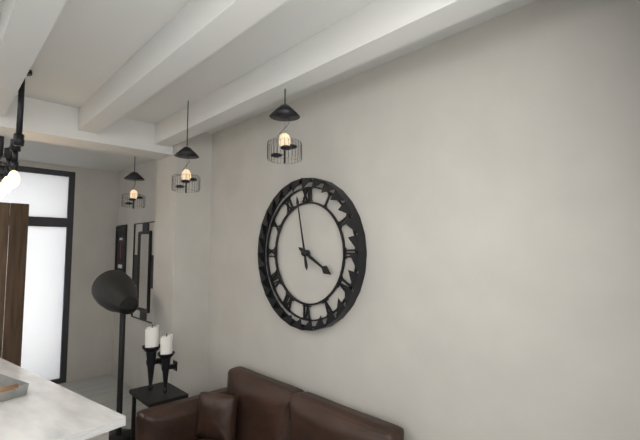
3:58
